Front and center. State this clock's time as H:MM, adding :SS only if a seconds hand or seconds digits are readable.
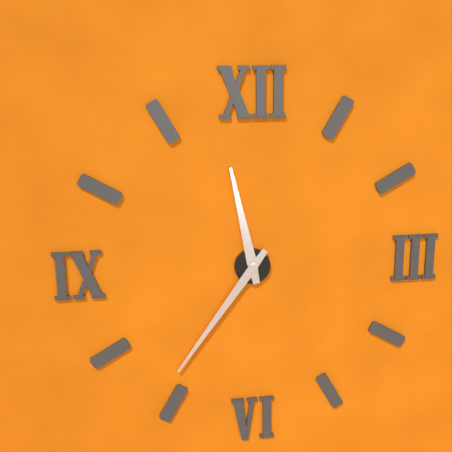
11:36
